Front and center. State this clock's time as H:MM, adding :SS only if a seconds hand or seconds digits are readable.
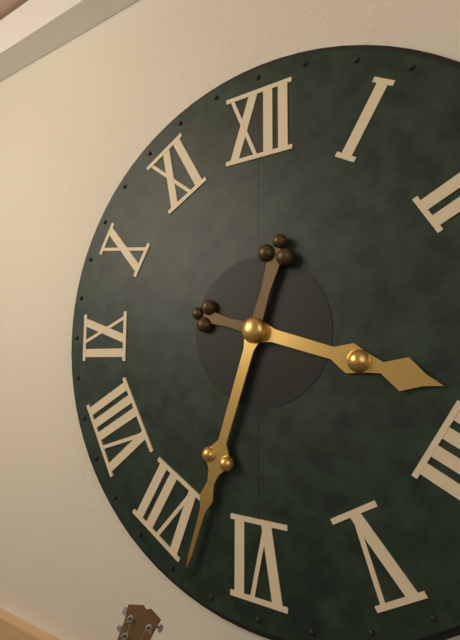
3:33
